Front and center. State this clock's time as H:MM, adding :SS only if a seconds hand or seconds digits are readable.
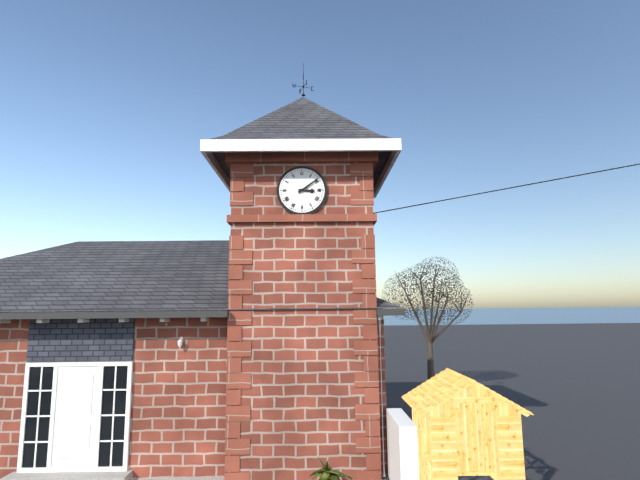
3:09
